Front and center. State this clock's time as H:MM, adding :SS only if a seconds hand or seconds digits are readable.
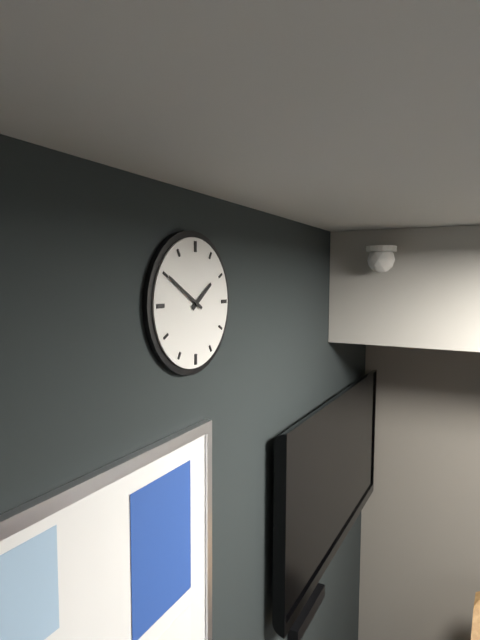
1:50
